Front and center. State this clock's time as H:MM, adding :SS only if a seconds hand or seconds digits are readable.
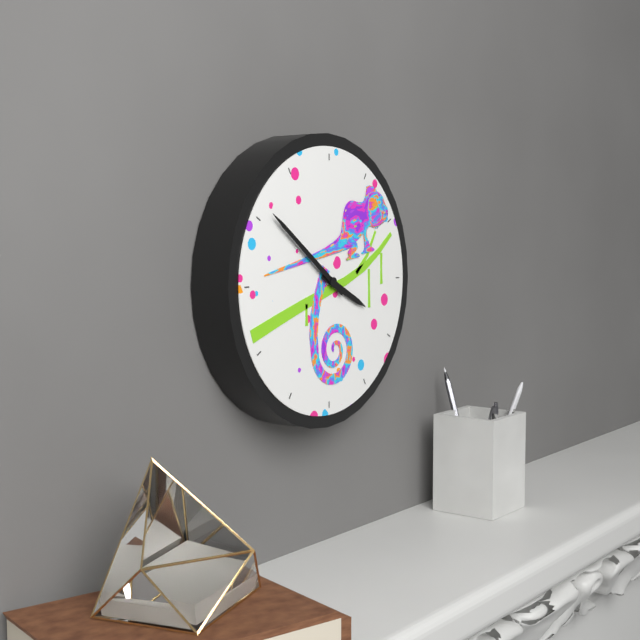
3:51
